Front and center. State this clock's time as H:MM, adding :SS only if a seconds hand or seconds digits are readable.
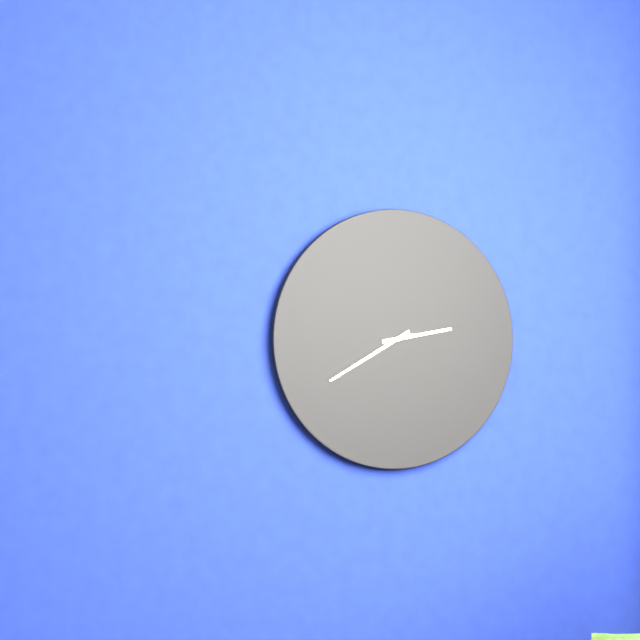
2:40
